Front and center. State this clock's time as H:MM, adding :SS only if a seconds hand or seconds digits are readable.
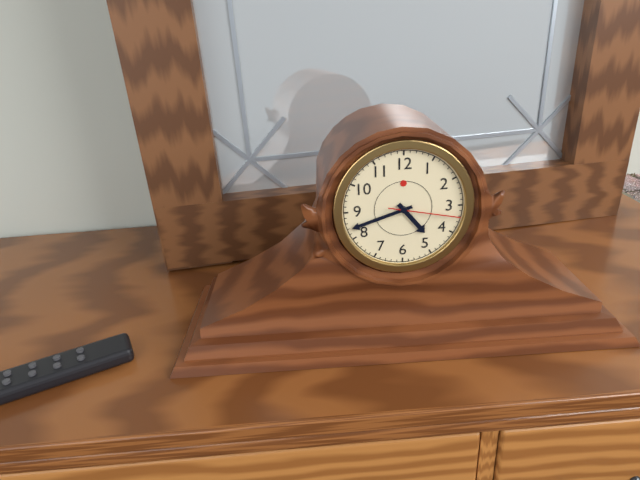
4:42:17
